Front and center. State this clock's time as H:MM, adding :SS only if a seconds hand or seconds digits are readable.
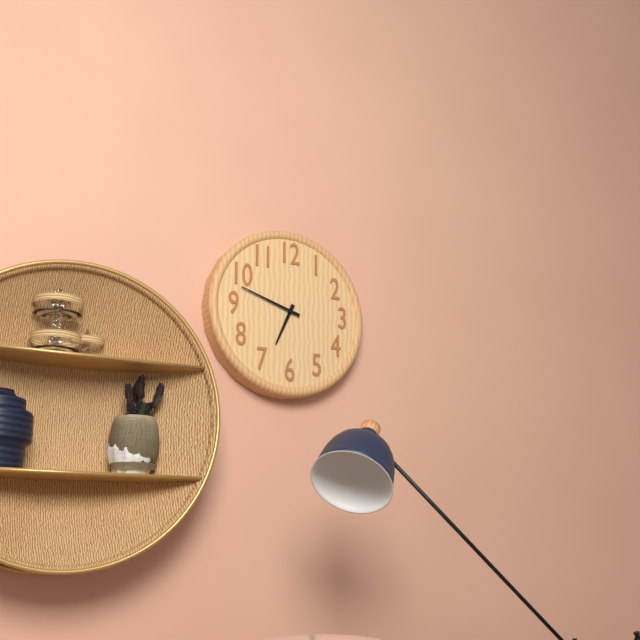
6:48
